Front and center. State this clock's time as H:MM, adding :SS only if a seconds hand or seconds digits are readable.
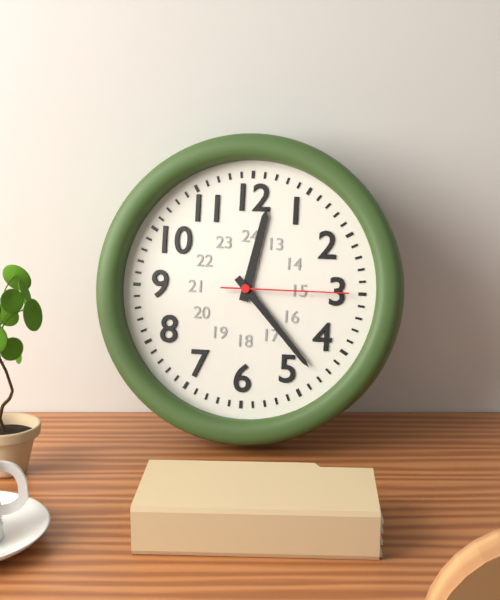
12:23:15
